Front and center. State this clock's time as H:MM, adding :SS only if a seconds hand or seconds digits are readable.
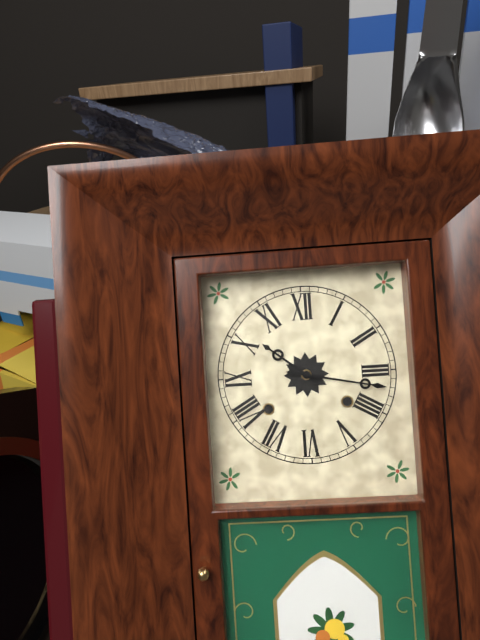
10:17
